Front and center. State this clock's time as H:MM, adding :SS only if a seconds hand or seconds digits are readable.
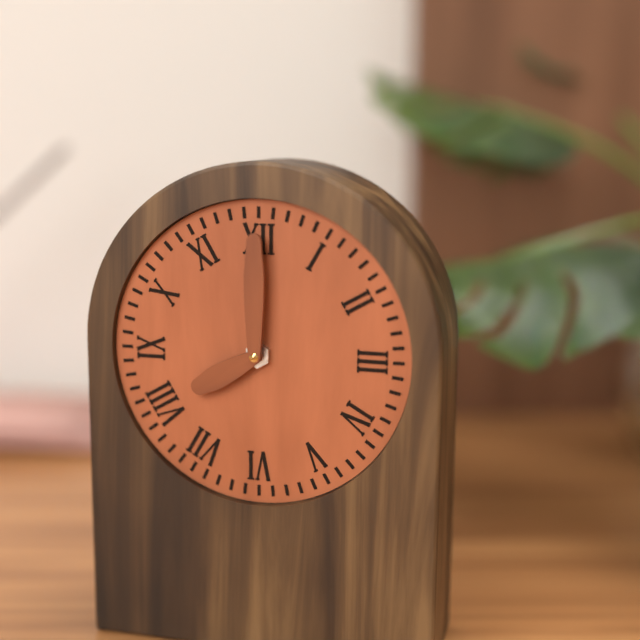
8:00
